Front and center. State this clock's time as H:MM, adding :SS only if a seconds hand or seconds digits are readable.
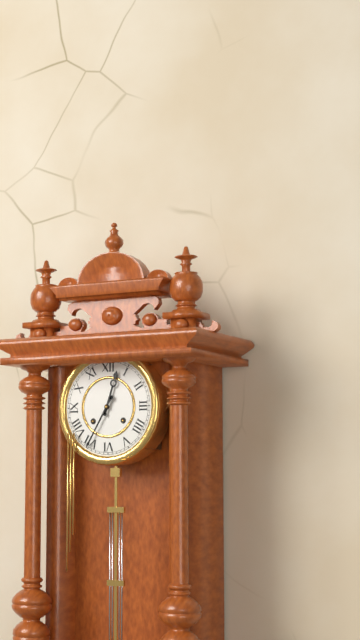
12:35
